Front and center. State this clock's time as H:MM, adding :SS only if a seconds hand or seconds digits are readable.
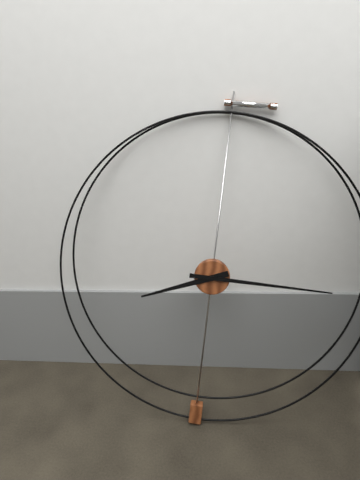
8:15
